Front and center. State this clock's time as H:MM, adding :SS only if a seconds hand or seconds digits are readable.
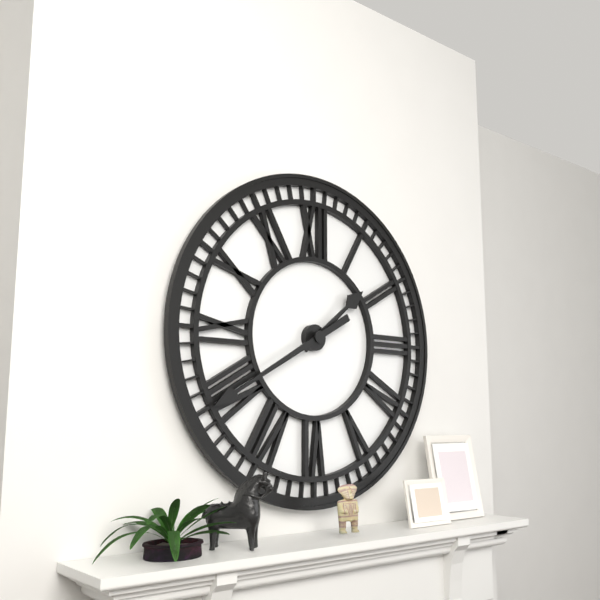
1:40
